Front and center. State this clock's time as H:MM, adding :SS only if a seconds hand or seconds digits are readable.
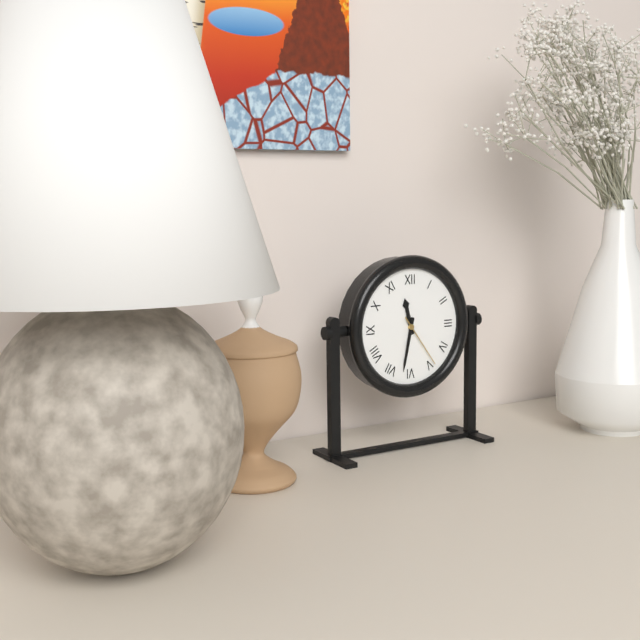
11:32:24
